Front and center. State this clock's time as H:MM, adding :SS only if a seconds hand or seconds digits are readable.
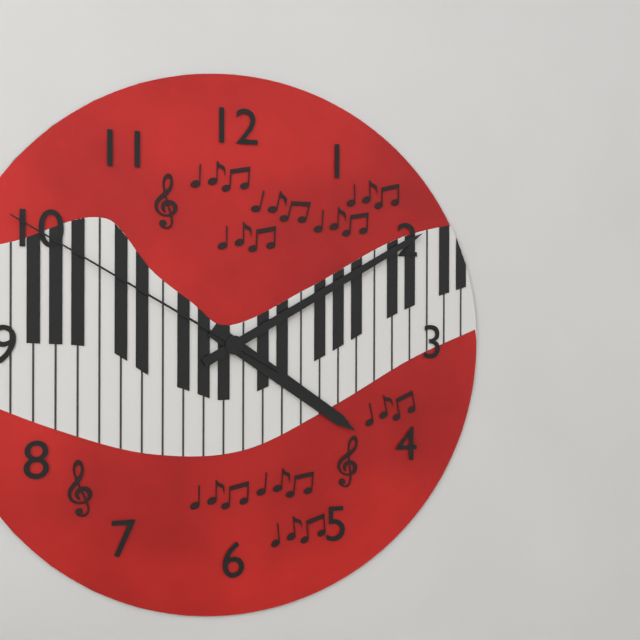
4:10:50
